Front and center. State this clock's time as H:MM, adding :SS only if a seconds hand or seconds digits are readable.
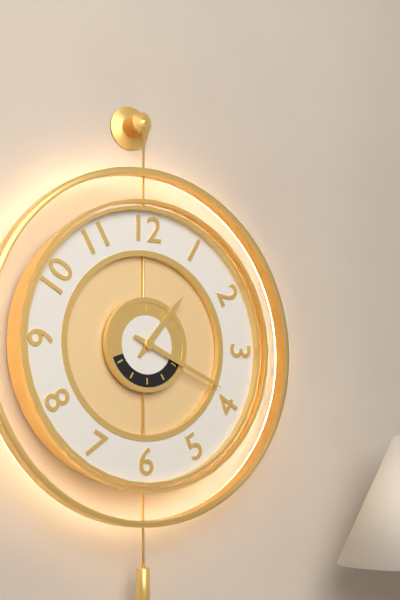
1:19
